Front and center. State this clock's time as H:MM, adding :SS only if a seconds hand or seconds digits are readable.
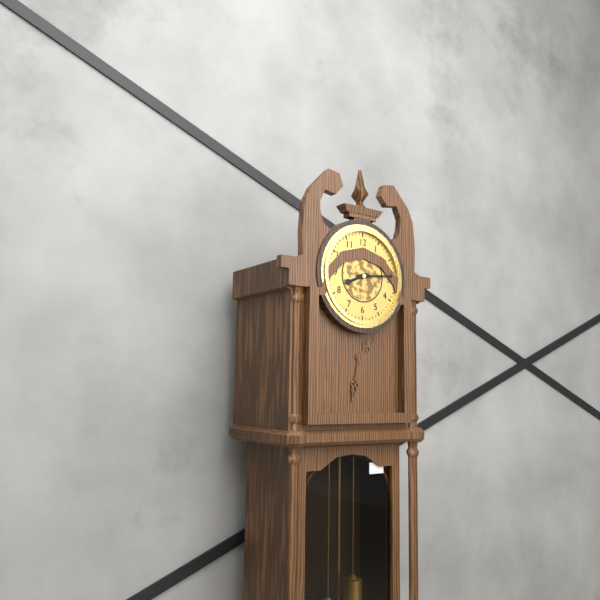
8:14
